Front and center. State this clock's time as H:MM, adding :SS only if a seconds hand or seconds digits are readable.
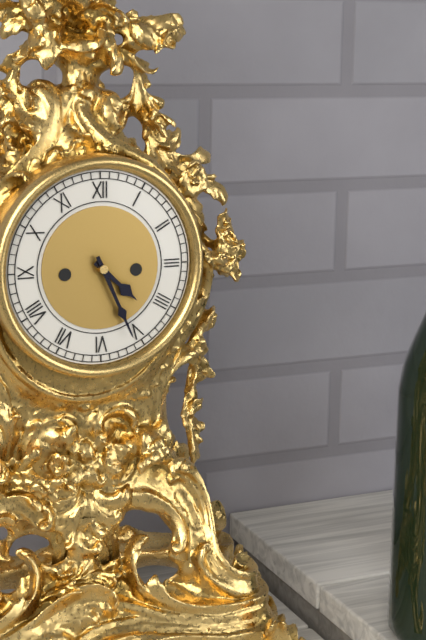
4:26
